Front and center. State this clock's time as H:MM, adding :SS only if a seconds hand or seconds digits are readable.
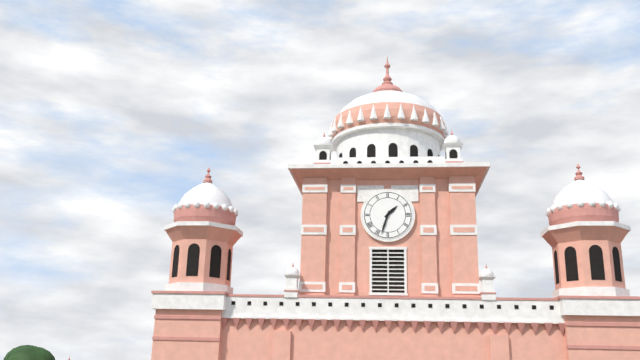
1:33
